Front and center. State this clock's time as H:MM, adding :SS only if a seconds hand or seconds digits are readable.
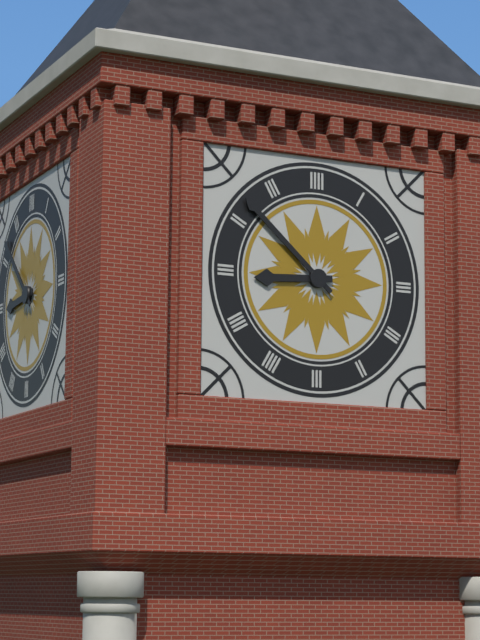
8:52
